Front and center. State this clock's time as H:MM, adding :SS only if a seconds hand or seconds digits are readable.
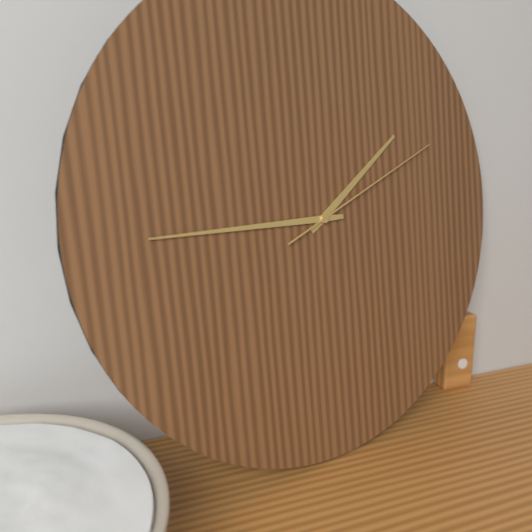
1:45:11
